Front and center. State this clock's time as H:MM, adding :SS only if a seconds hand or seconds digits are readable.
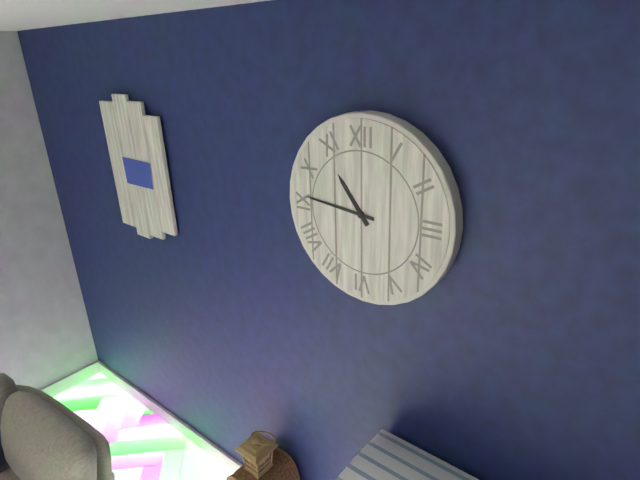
10:46
